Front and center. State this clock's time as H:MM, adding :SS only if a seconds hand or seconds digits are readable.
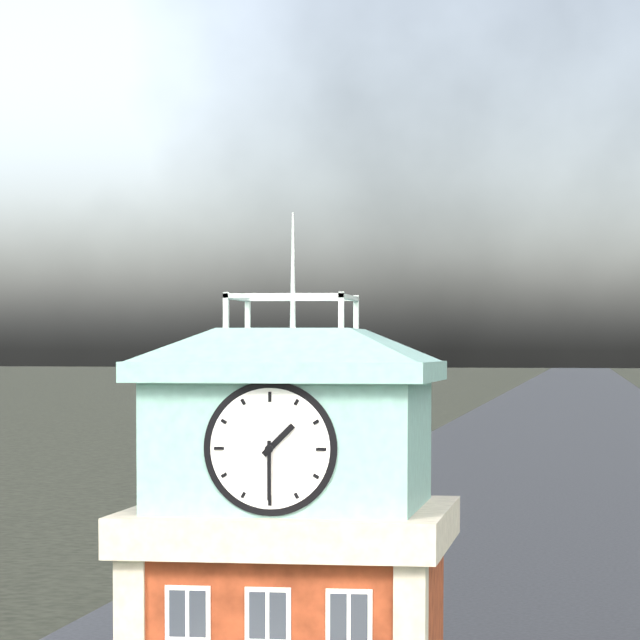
1:30
